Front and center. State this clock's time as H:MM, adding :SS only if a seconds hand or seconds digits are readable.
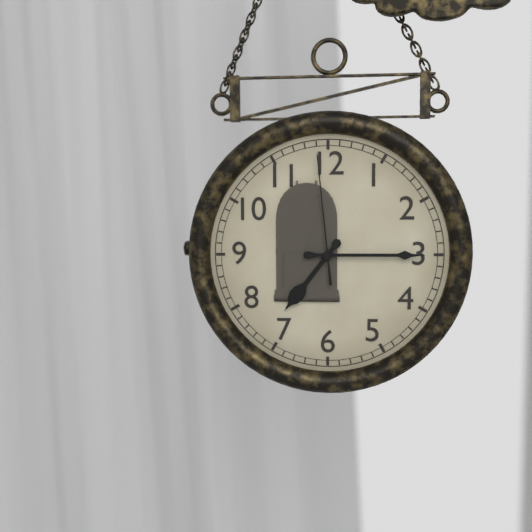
7:15:59
